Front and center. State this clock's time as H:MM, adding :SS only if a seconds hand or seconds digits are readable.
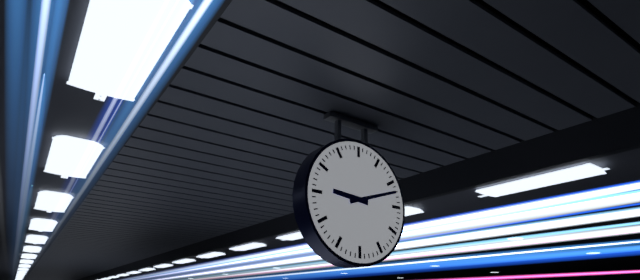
9:12
